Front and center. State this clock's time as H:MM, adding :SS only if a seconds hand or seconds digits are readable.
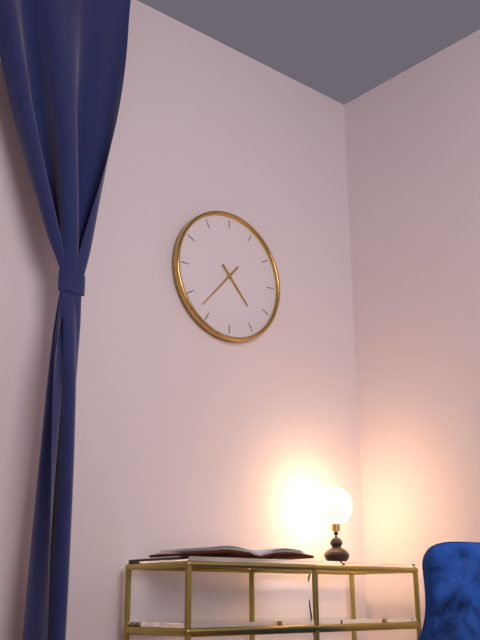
4:37
